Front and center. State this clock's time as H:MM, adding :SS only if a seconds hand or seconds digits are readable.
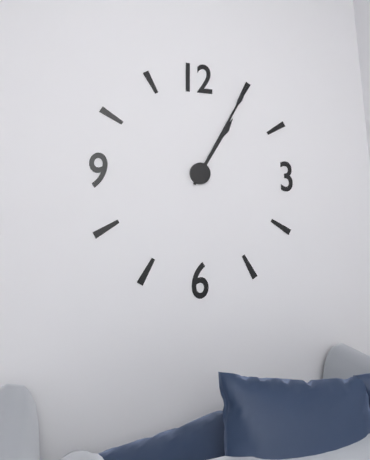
1:05
